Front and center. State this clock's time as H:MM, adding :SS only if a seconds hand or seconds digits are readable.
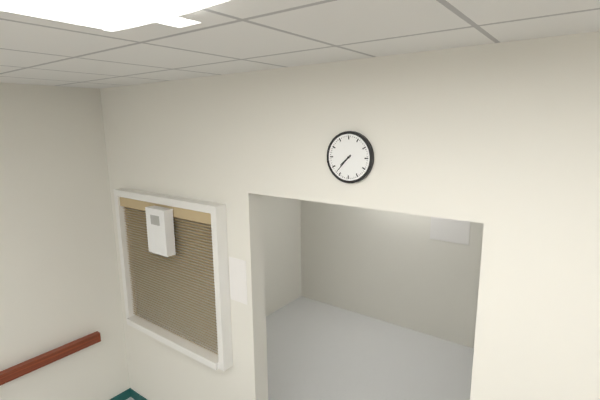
7:37
